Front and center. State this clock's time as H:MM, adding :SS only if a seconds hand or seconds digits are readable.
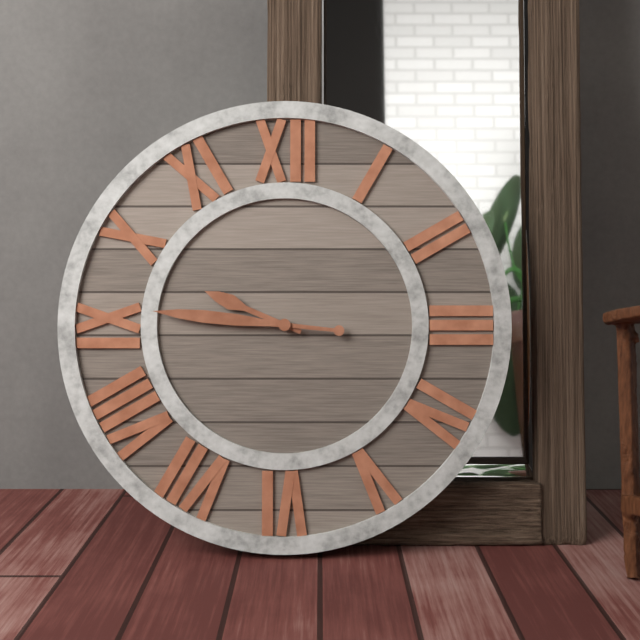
9:46
